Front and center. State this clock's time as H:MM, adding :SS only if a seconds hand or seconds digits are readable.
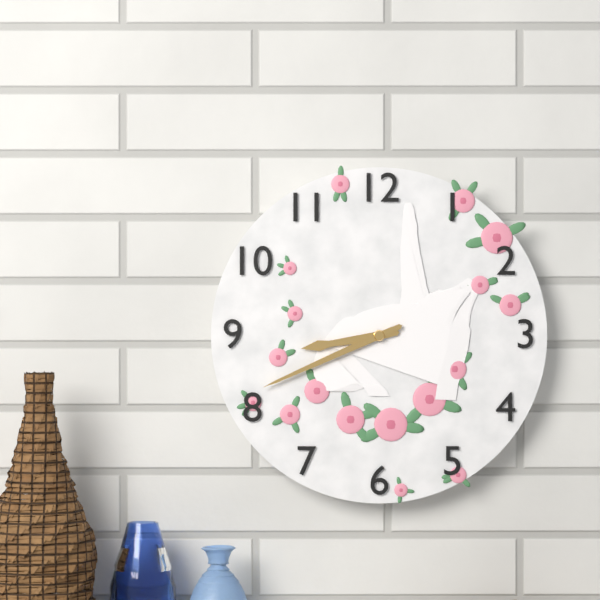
8:41
